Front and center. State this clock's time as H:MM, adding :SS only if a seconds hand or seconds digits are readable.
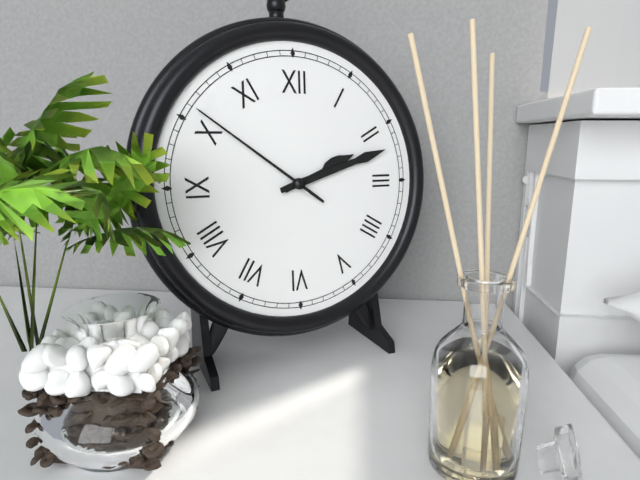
2:12:51
